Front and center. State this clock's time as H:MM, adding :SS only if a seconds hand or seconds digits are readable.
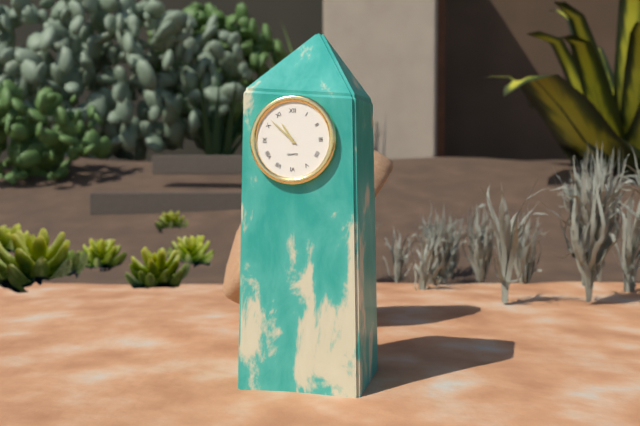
10:52
